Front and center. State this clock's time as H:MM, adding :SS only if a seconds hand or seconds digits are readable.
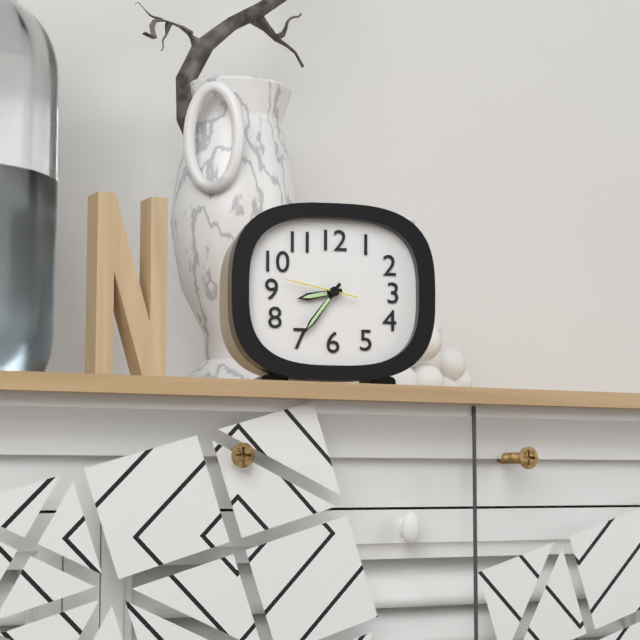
8:36:47
